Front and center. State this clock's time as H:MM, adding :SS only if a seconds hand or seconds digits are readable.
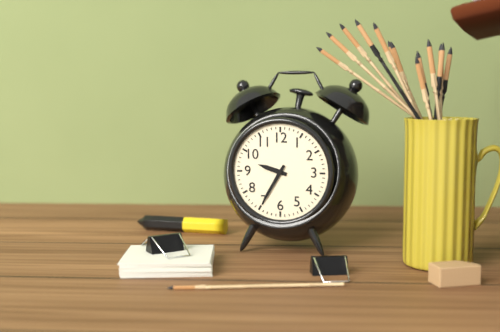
9:35
